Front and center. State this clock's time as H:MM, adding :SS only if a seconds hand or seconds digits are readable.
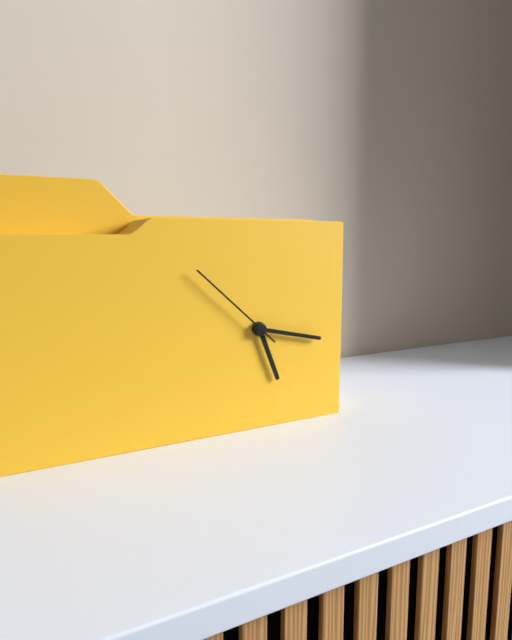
5:17:52
